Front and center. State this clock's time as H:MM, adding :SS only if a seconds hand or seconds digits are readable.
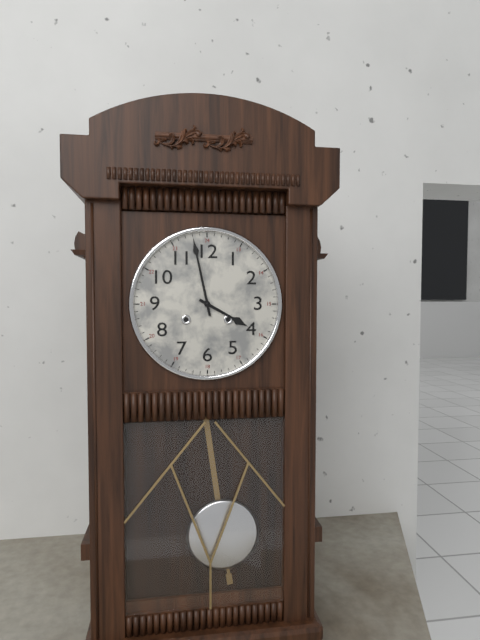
3:58
